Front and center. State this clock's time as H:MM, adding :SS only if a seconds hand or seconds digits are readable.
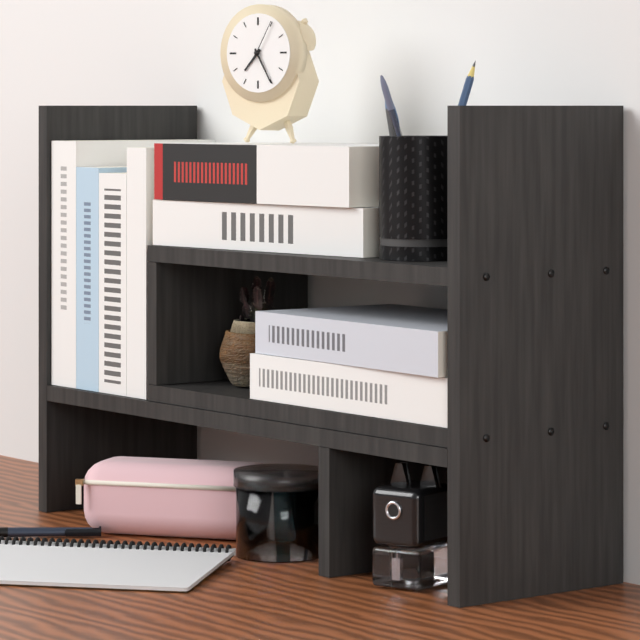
7:25
